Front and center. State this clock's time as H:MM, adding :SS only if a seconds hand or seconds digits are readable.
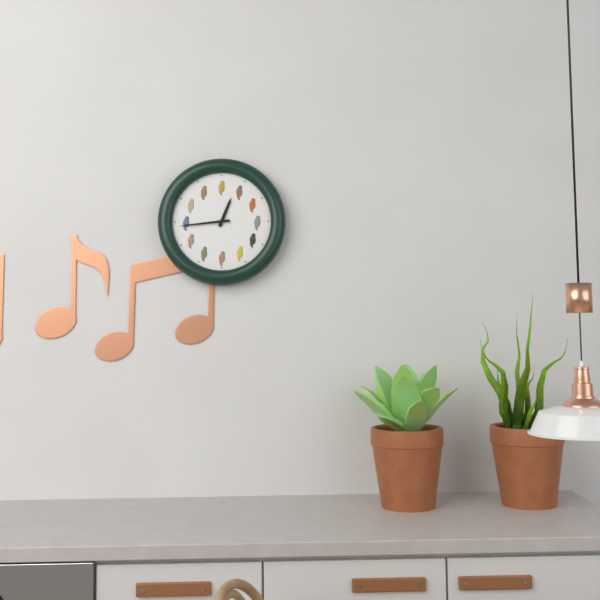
12:44
